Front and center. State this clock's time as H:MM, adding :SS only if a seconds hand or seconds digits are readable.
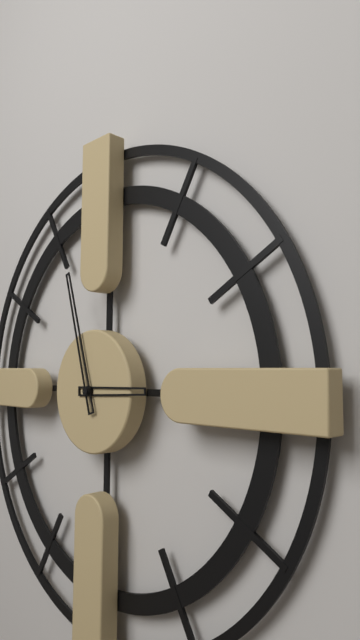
2:57
